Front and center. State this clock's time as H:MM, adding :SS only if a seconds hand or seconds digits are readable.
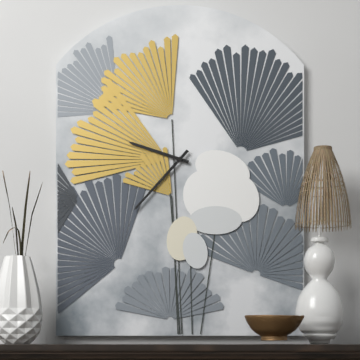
9:37
